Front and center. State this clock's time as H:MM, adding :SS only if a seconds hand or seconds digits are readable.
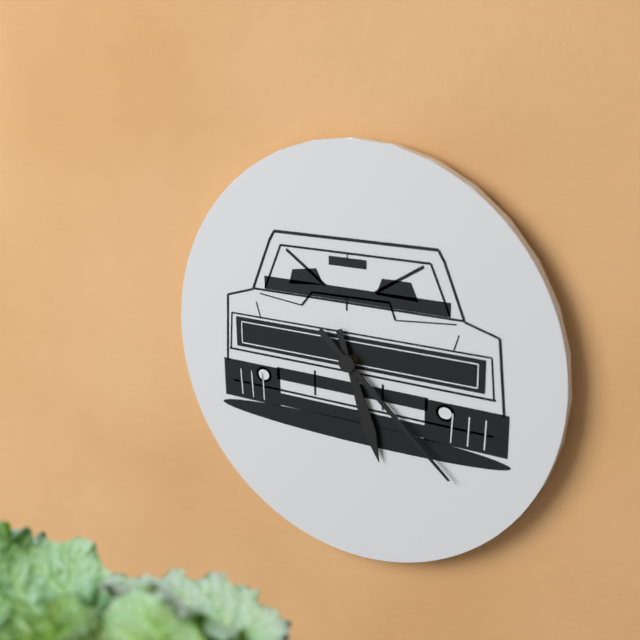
5:22
